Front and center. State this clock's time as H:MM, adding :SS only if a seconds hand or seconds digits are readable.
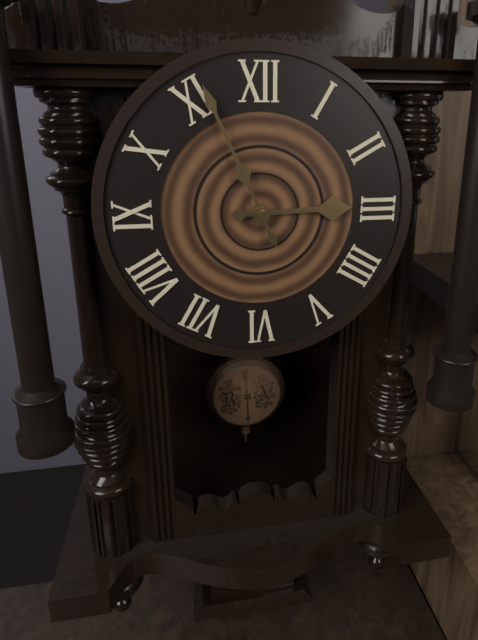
2:56
